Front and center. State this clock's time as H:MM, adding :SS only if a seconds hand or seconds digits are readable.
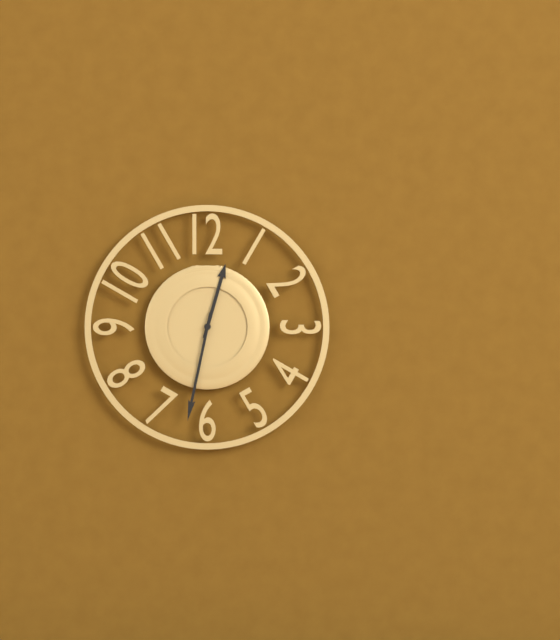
12:32
